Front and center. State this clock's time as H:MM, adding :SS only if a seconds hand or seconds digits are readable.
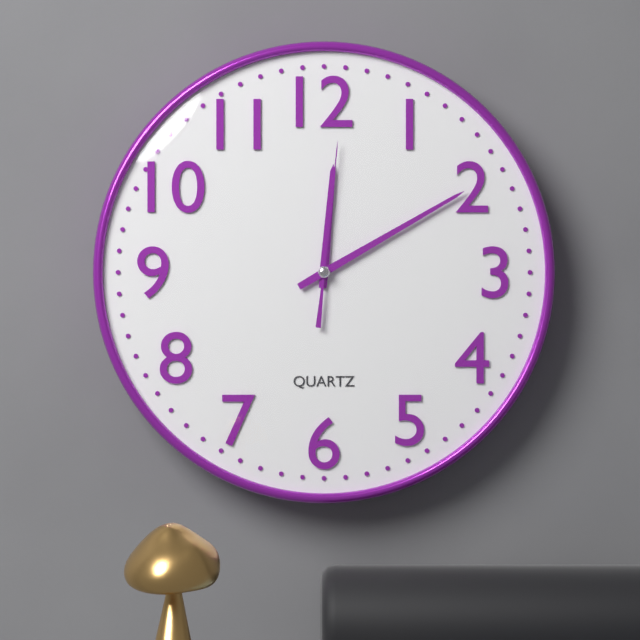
12:10:01
